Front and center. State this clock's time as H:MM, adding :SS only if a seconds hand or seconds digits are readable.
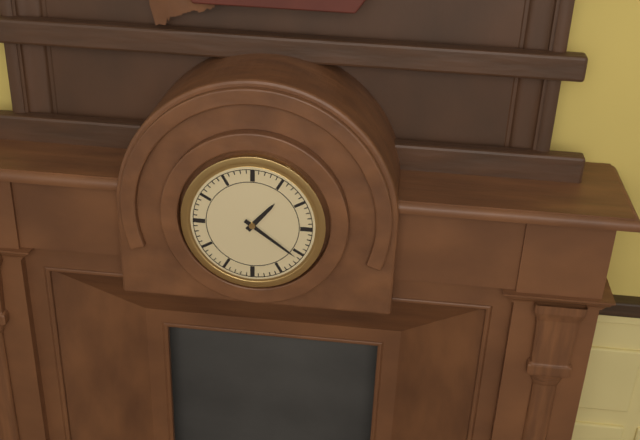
1:21
